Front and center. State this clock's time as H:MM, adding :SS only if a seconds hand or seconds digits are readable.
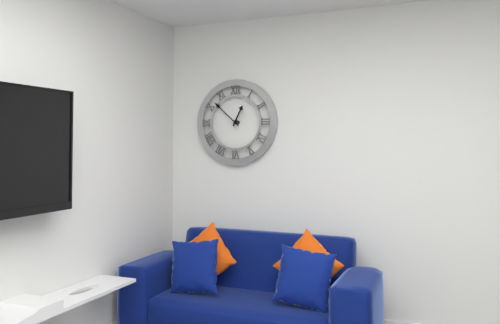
12:52
